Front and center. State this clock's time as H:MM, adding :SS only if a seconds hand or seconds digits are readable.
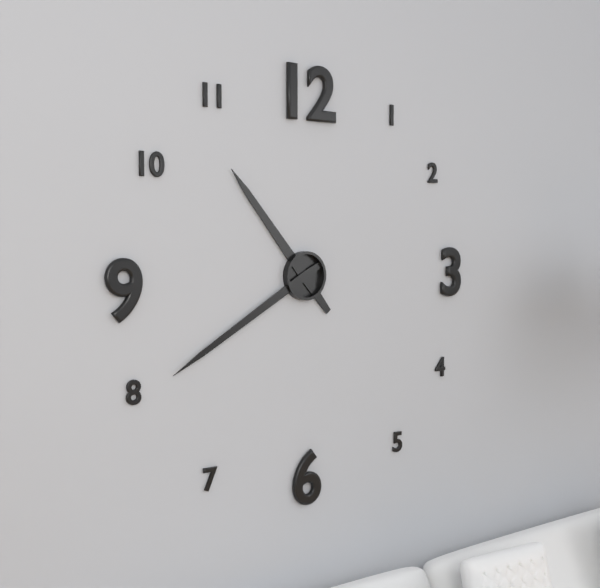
10:40
